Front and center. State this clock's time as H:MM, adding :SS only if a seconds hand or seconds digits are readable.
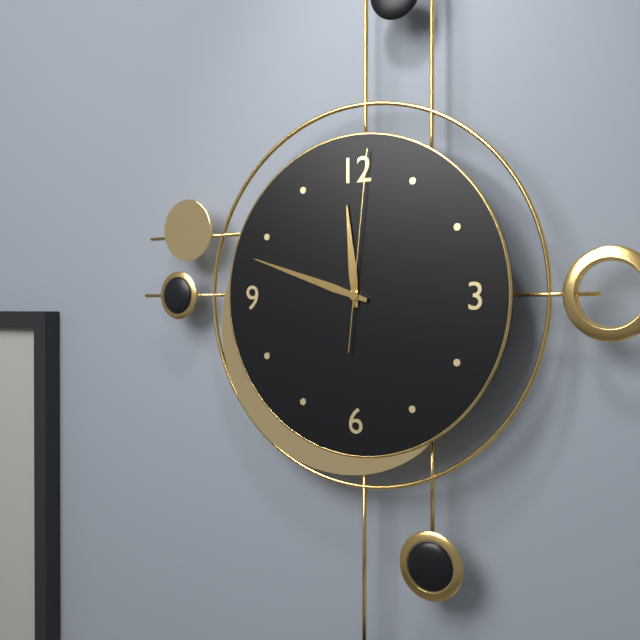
11:48:01
